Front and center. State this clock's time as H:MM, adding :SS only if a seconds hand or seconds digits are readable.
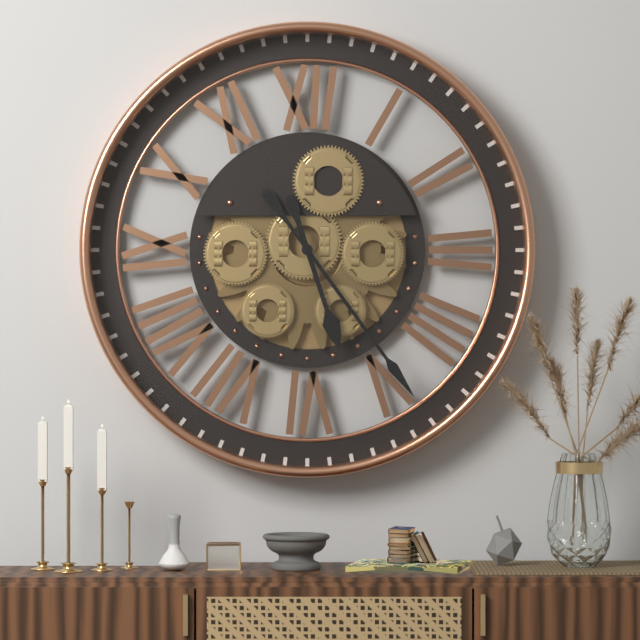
5:24
